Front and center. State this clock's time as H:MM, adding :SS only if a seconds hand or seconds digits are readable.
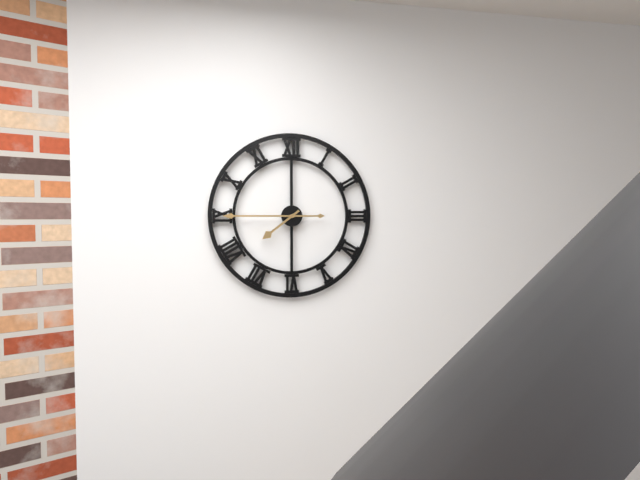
7:45
